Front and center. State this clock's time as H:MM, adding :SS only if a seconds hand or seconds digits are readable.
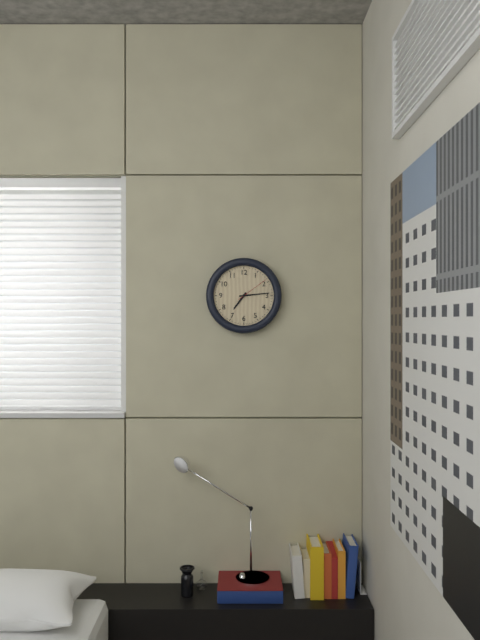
7:14
